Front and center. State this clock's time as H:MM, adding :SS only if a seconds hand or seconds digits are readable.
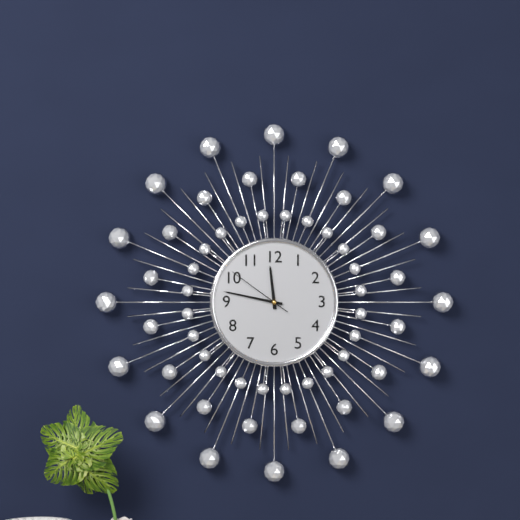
11:47:51
